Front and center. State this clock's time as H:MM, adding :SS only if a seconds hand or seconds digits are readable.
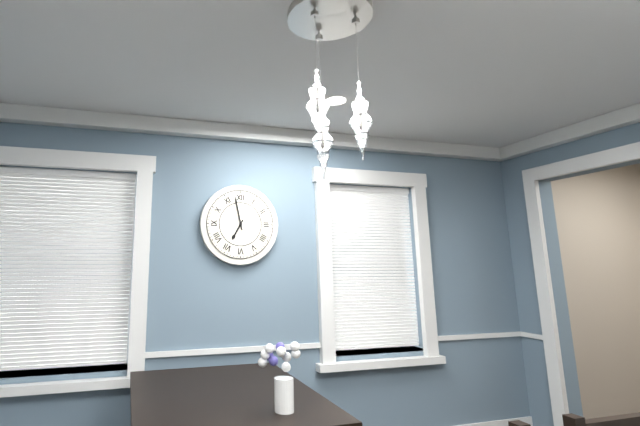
6:58
